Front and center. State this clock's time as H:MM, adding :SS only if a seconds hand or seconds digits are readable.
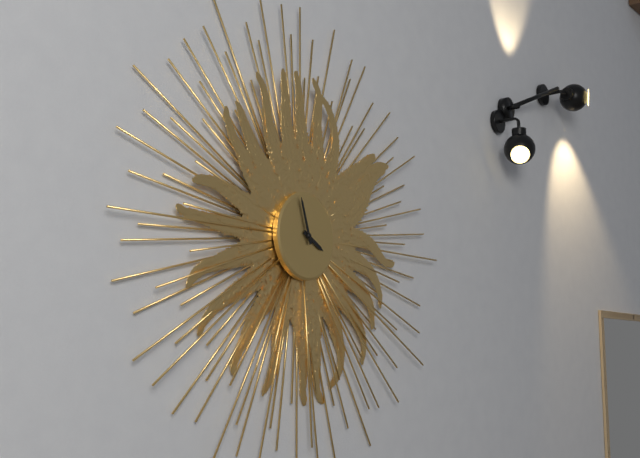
3:57
